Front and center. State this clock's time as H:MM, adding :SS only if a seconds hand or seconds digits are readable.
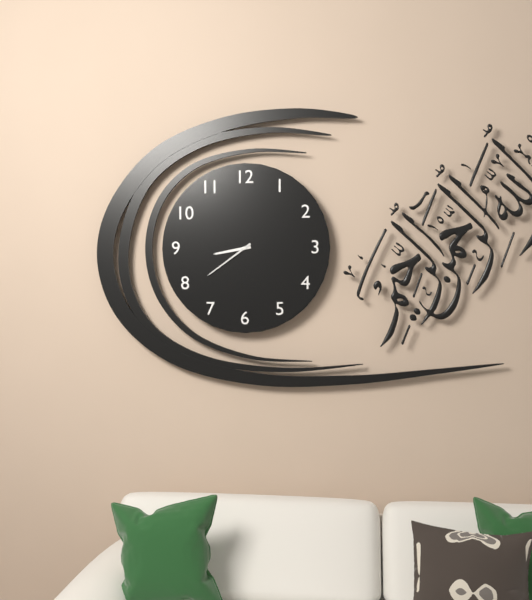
8:39
